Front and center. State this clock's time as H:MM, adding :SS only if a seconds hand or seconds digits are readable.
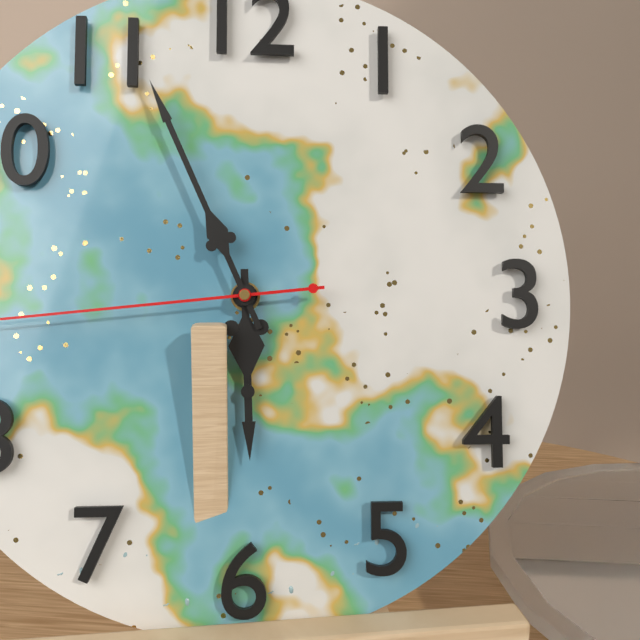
5:56
